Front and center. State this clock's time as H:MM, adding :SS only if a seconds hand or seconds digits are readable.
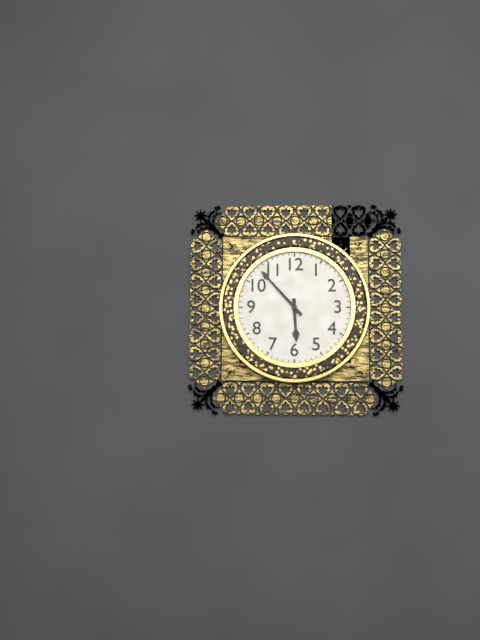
5:53
